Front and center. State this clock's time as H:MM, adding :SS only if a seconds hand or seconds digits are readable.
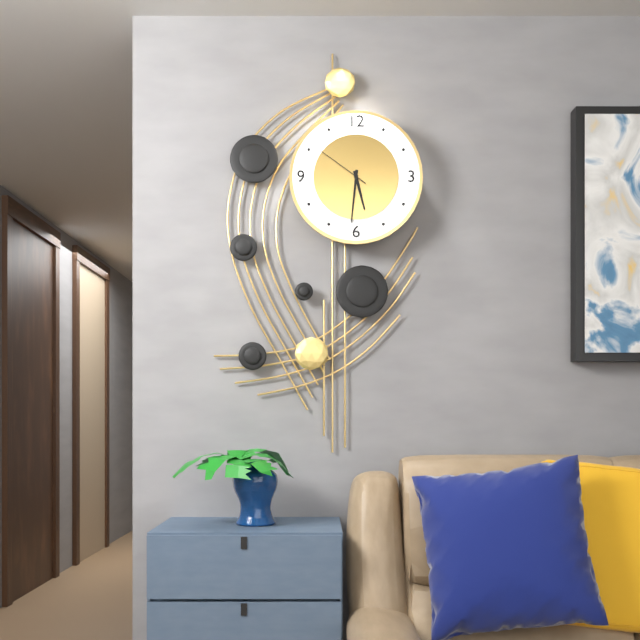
5:31:51
